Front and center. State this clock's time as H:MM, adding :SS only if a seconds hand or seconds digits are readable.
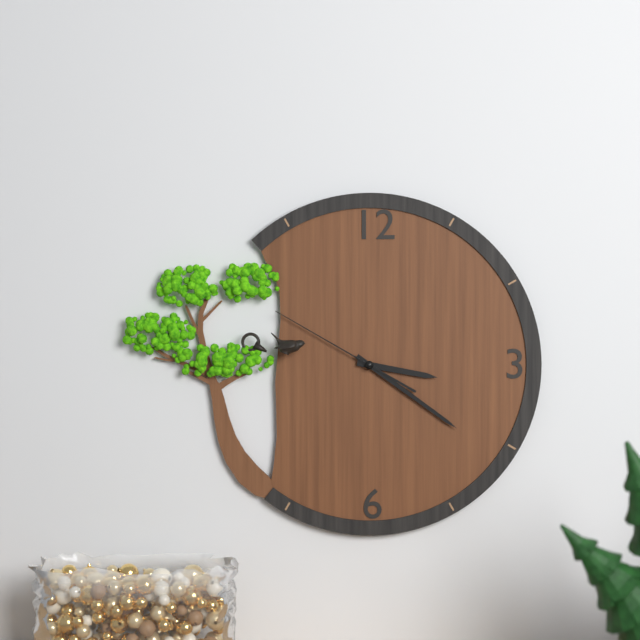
3:21:50
